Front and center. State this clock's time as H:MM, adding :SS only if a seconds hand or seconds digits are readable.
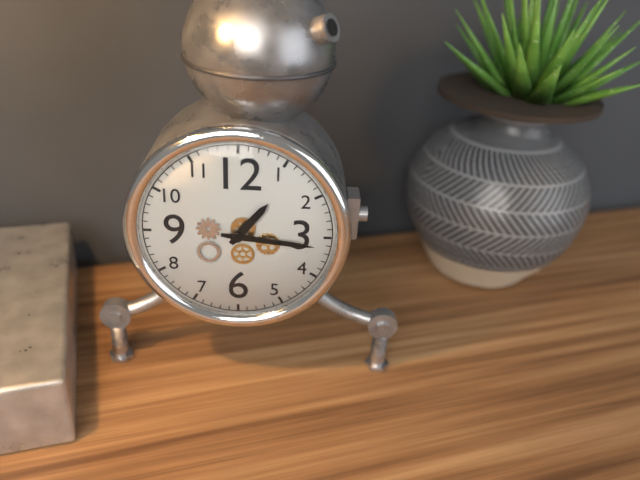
1:16
